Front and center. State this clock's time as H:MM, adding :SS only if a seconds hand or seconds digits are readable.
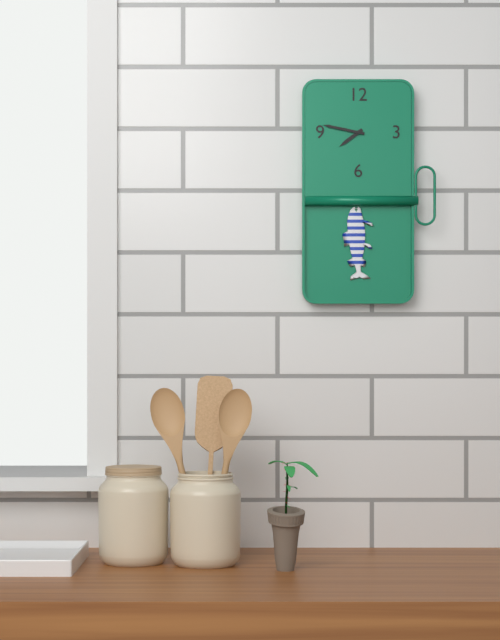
7:47
